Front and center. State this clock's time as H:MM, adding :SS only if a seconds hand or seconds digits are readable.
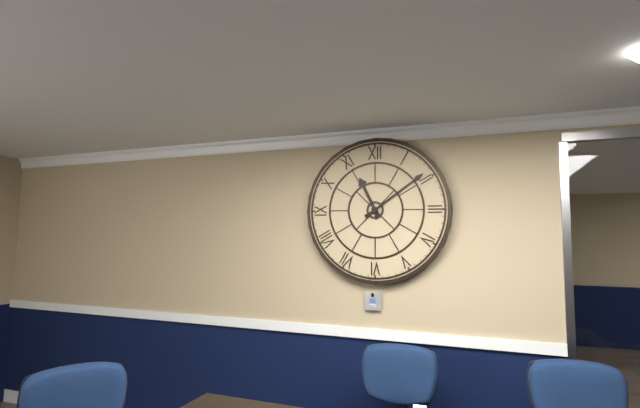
11:09
